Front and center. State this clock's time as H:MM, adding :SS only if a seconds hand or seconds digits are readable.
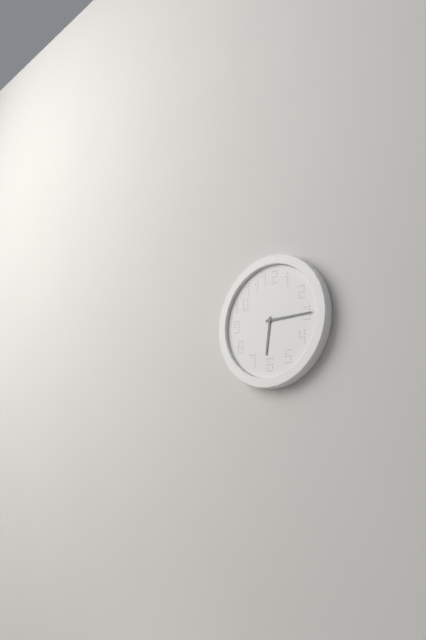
6:15
